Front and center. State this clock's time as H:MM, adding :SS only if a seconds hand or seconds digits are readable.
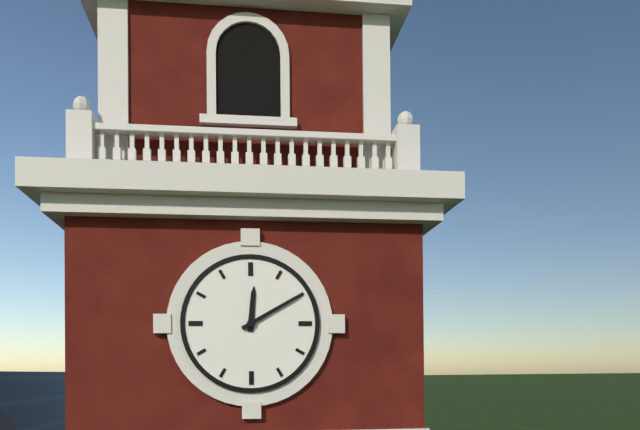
12:10
